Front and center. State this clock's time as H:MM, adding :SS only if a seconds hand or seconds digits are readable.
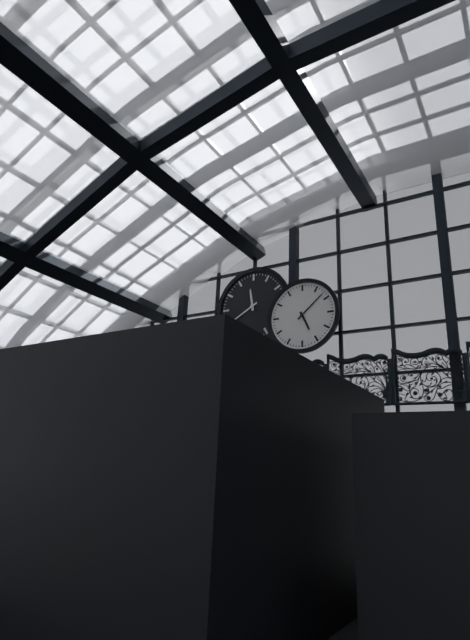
5:08
